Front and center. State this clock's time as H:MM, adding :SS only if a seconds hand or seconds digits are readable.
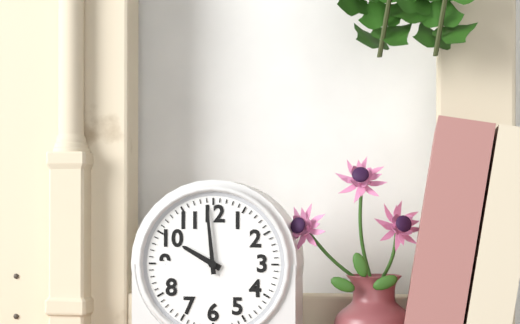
9:59
